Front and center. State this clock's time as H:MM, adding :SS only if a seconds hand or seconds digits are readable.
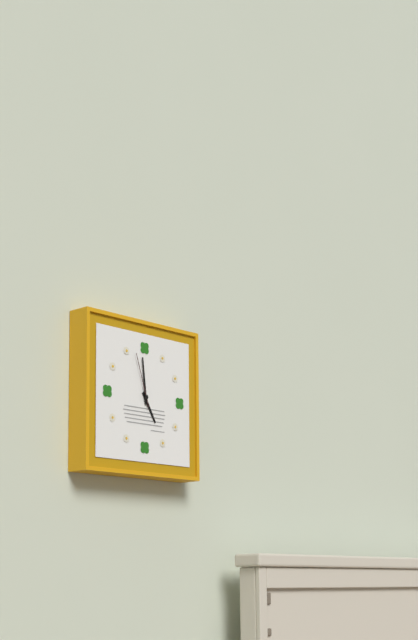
4:59:57
